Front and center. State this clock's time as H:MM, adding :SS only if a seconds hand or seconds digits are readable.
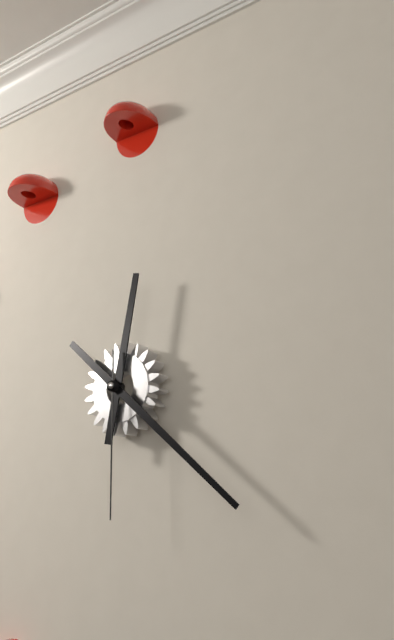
12:22:30
